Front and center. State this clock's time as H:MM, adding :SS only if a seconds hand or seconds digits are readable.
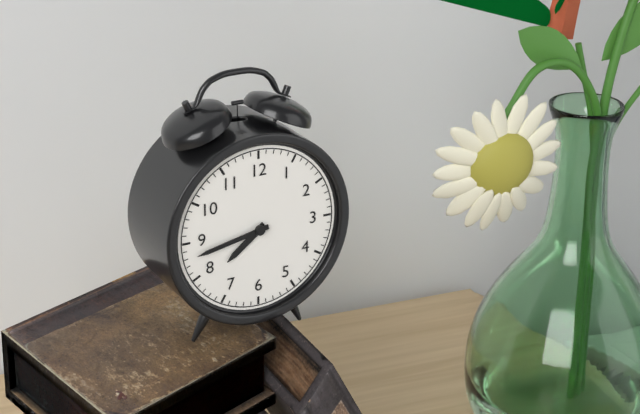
7:43
